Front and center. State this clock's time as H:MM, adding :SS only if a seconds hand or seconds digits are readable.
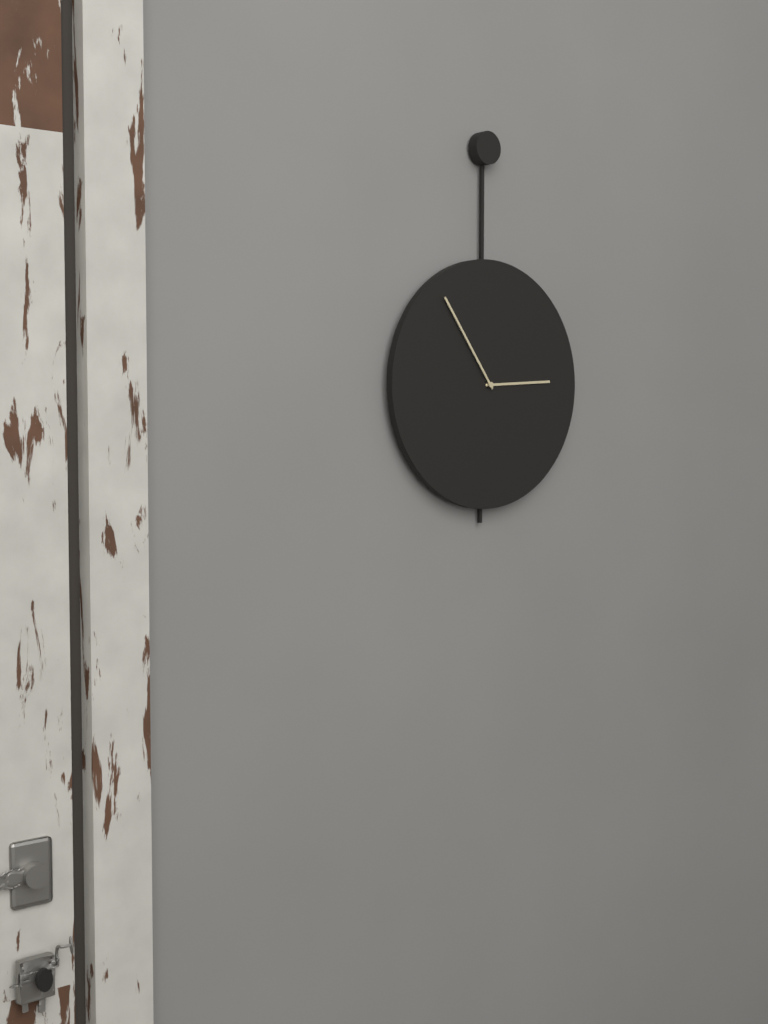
2:54
